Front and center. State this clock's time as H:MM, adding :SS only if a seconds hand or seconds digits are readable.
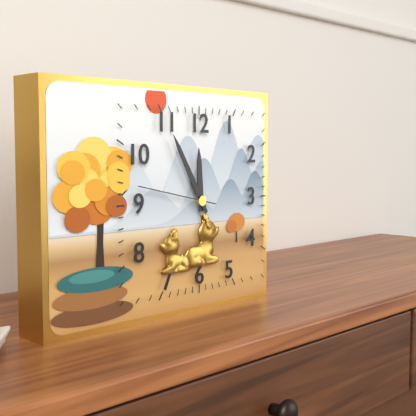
11:55:47
